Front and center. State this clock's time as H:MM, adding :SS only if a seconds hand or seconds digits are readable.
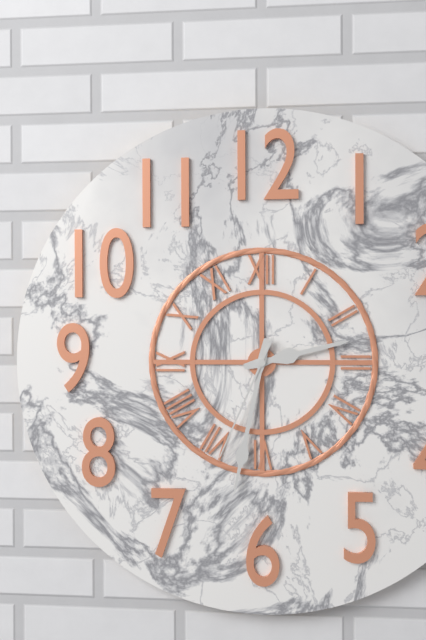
2:32:34
